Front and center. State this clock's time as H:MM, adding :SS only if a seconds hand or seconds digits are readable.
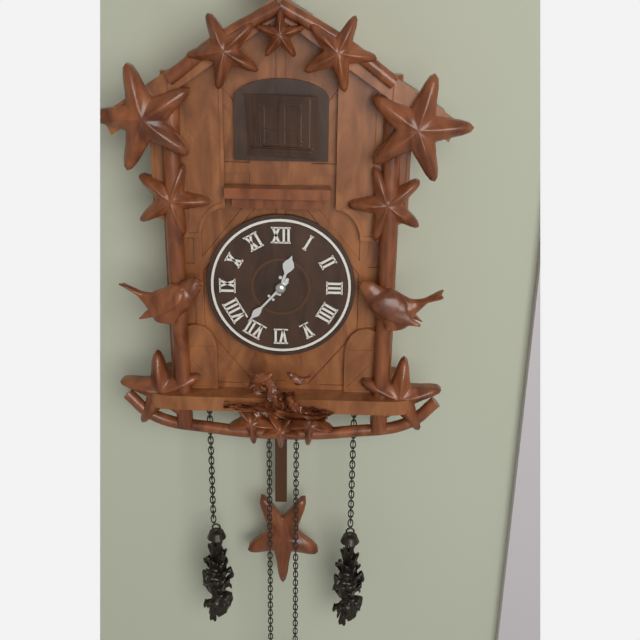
12:37
